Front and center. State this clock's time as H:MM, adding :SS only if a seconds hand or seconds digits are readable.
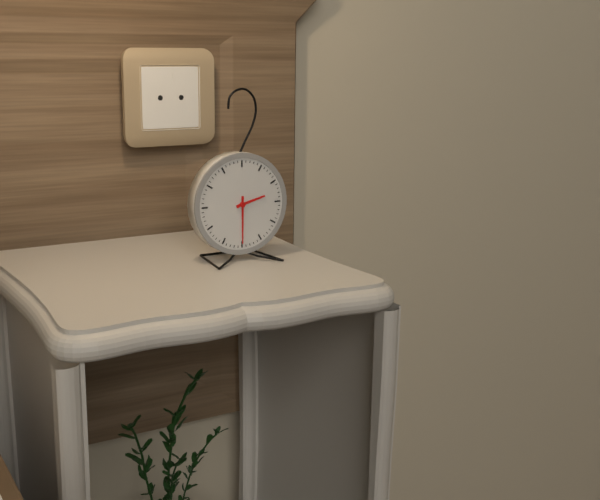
2:30
